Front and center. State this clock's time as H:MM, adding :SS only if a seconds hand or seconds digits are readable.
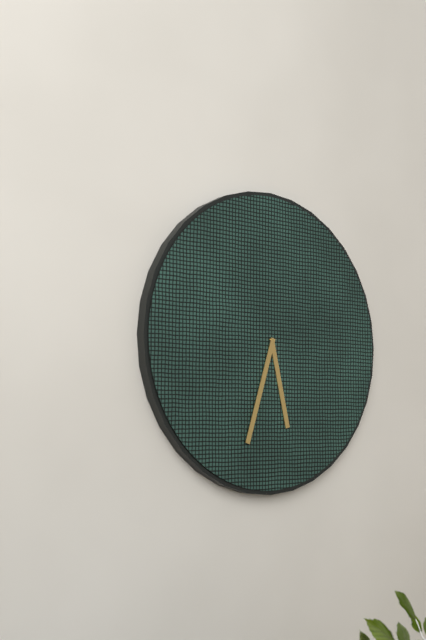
5:33
